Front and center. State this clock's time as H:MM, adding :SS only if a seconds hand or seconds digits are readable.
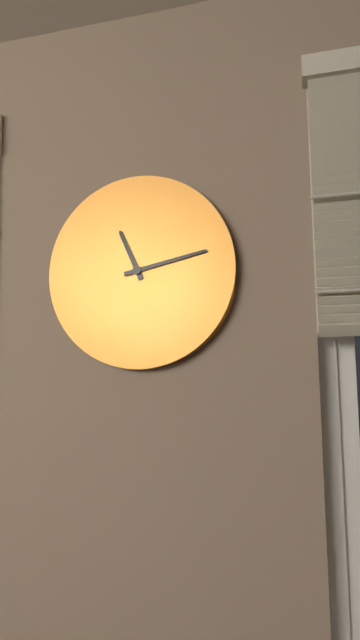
11:13
